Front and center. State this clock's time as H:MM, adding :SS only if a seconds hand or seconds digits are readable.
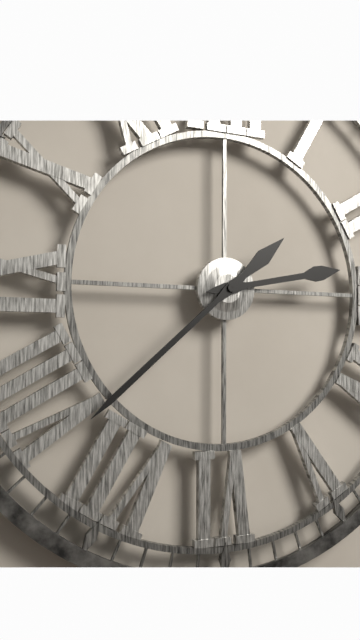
2:38
